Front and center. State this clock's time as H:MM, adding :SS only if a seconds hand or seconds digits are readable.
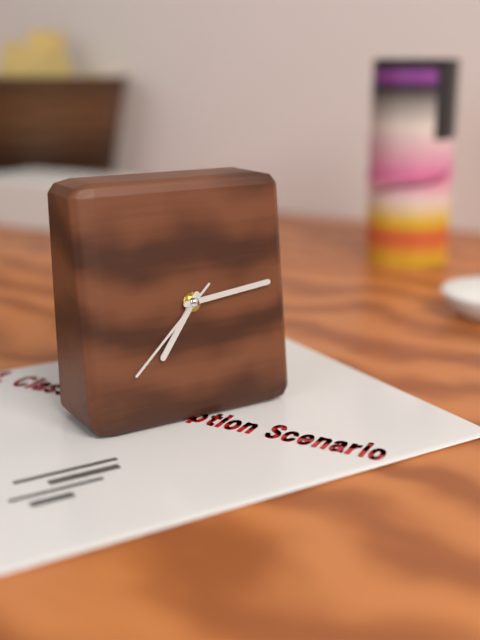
7:14:38
